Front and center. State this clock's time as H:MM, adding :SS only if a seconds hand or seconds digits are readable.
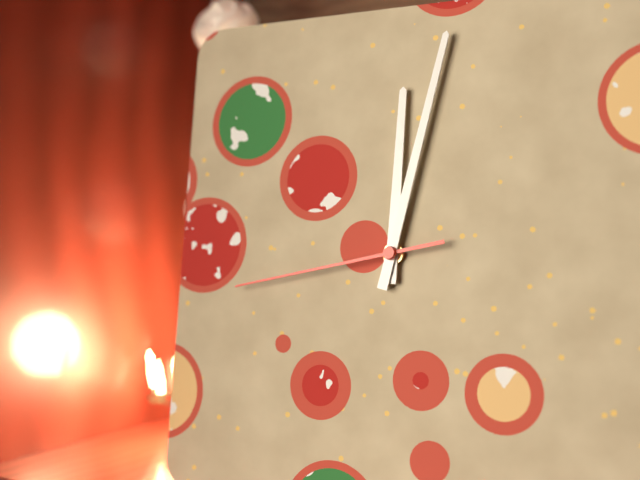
12:02:43
